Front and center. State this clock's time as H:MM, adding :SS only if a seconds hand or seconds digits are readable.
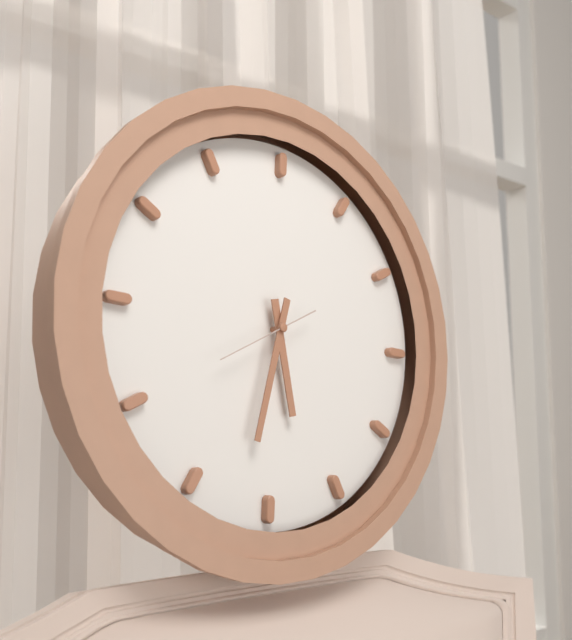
5:32:40
